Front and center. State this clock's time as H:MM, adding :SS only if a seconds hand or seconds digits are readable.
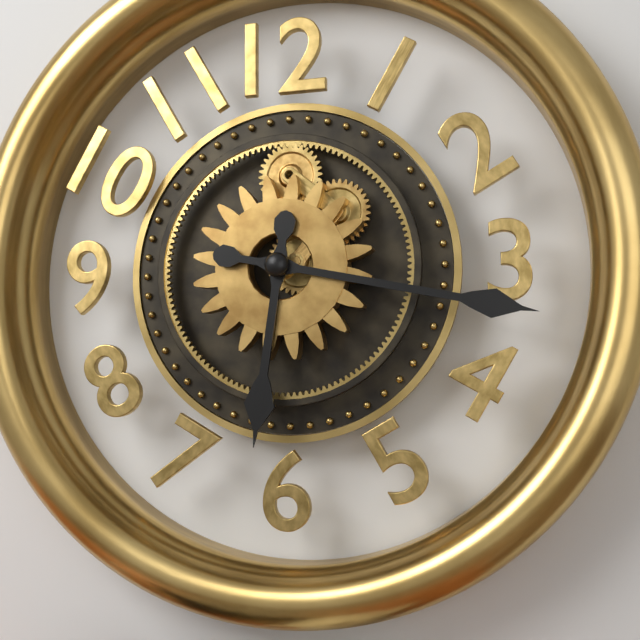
6:17
